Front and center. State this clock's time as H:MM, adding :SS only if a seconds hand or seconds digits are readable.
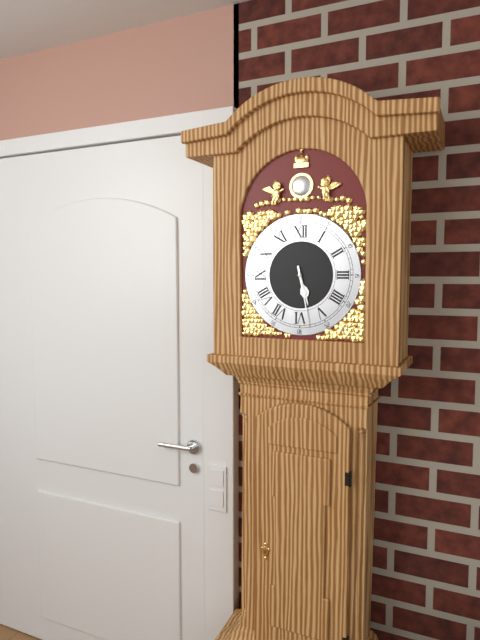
5:28
